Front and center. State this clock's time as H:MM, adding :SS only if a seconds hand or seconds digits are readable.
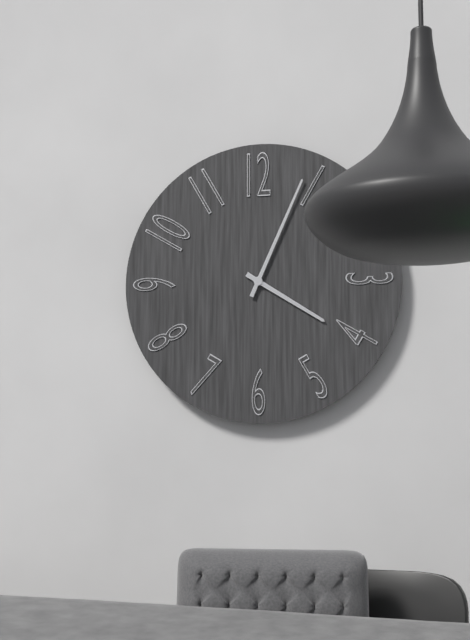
4:04
